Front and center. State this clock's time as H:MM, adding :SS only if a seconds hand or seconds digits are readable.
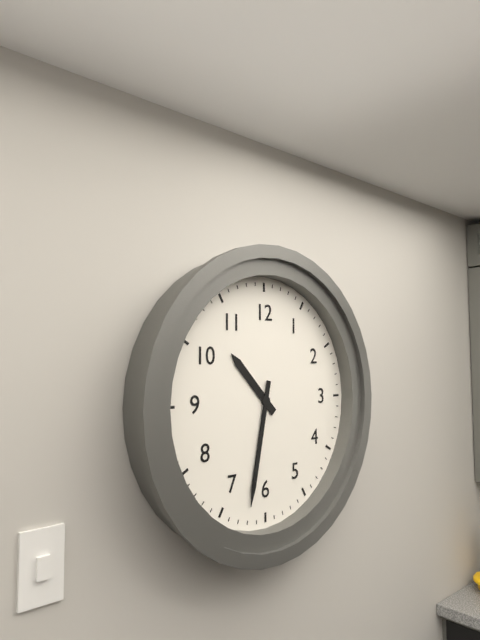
10:32
